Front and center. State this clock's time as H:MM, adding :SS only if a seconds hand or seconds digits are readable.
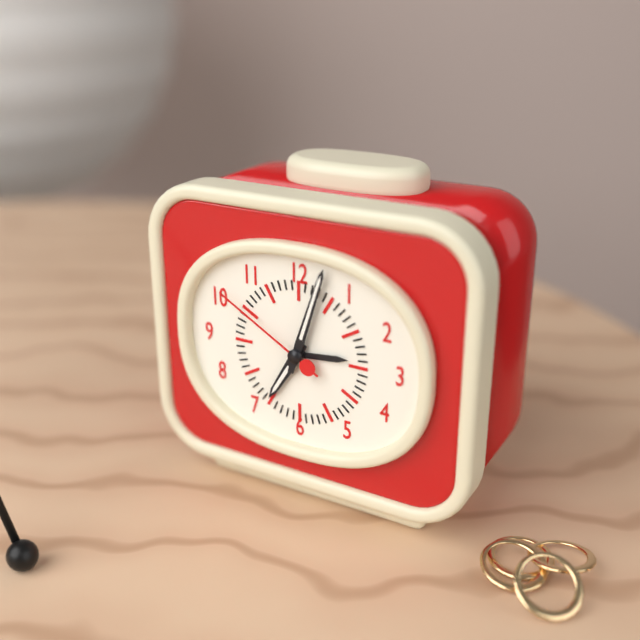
7:03:50
